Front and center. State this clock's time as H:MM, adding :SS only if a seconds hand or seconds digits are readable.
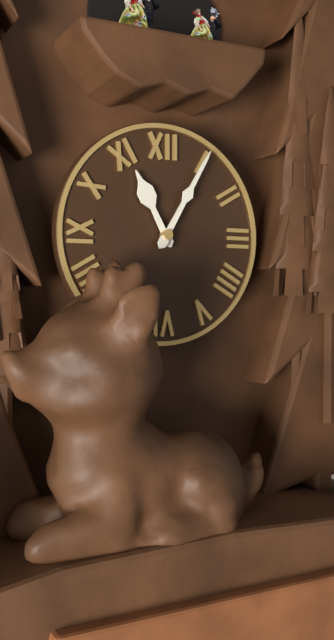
11:05
